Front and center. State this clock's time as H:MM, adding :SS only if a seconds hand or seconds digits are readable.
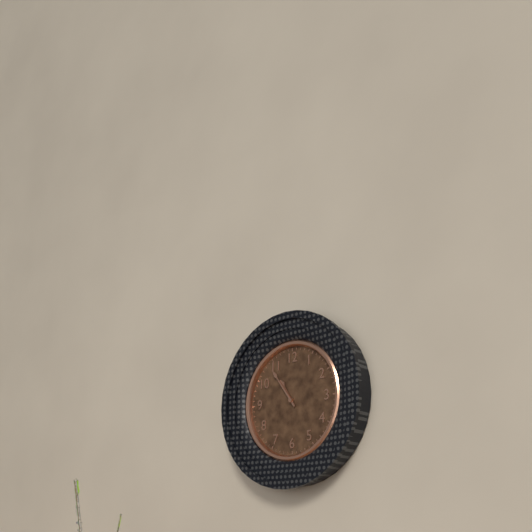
10:54
